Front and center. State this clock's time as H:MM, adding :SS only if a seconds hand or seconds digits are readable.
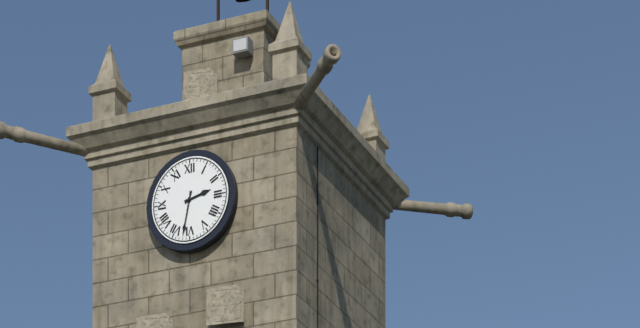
2:32
